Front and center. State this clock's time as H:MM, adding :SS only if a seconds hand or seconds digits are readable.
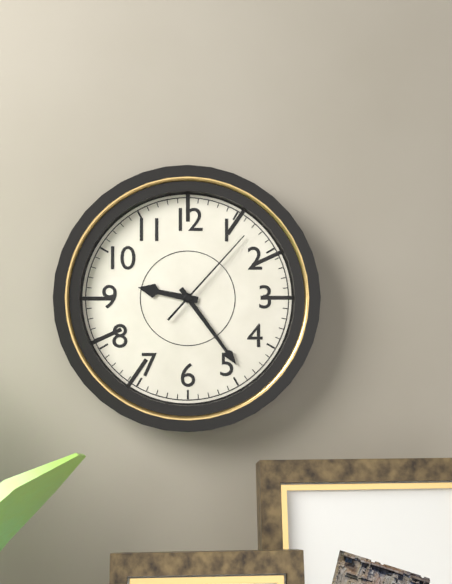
9:24:07
